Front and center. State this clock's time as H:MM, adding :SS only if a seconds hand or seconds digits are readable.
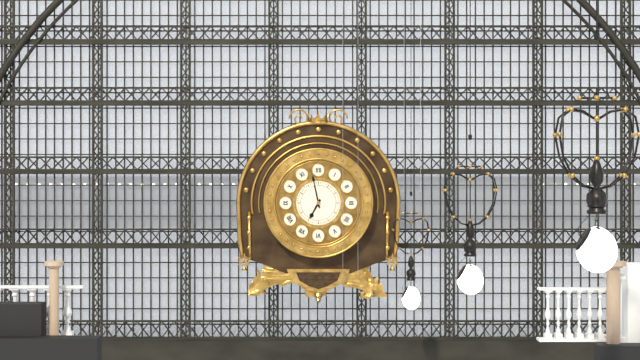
6:58
